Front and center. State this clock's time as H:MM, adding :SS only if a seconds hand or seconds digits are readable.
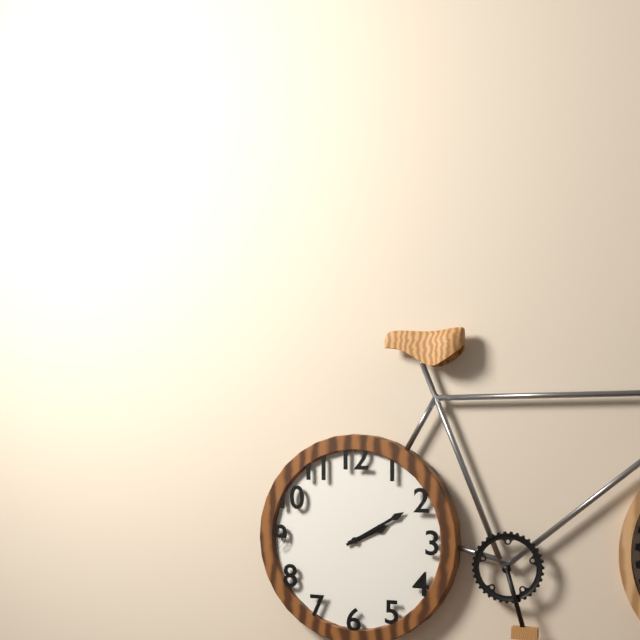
2:10
